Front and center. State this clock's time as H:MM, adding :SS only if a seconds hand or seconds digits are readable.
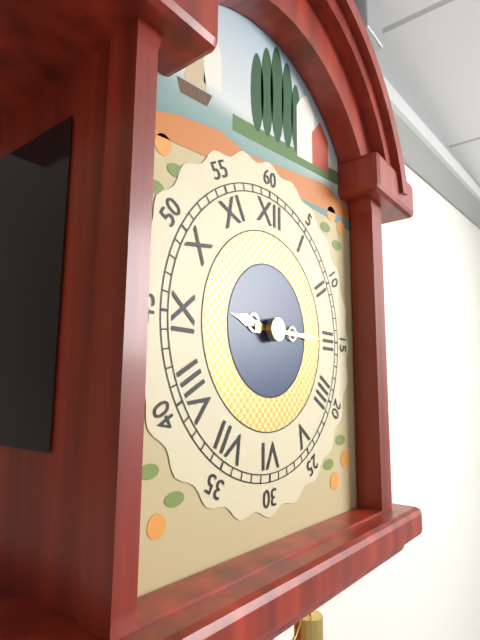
9:15
